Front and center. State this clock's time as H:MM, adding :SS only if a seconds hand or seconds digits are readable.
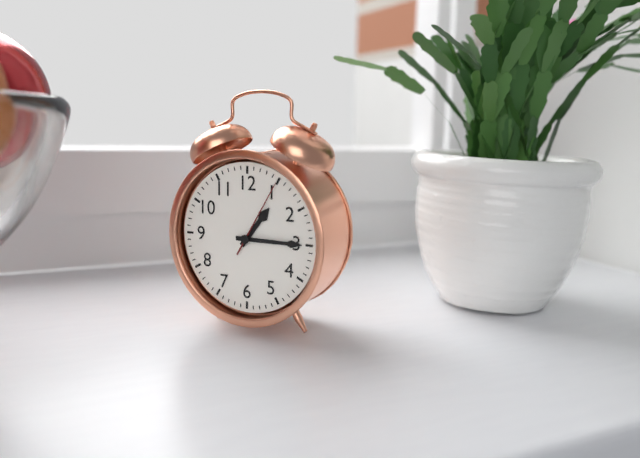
1:15:05
